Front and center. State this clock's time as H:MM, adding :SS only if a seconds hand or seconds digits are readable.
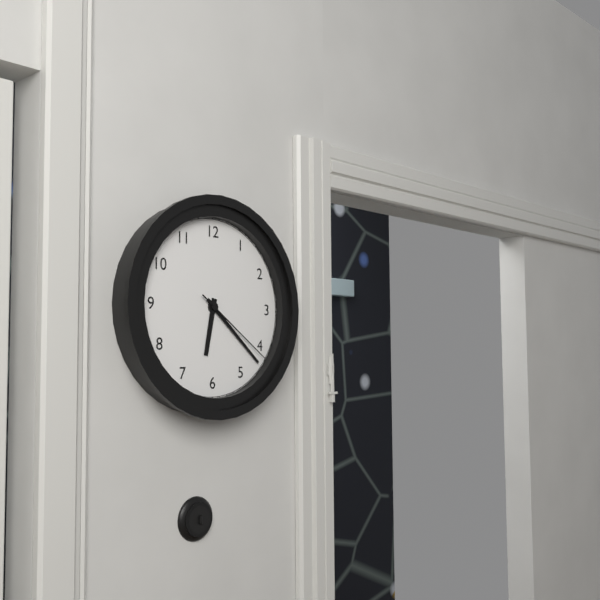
6:22:21
